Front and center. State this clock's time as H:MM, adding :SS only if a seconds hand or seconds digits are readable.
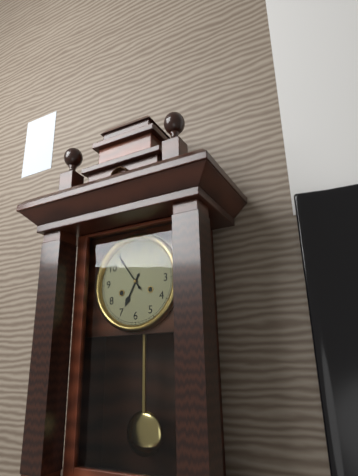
6:54
